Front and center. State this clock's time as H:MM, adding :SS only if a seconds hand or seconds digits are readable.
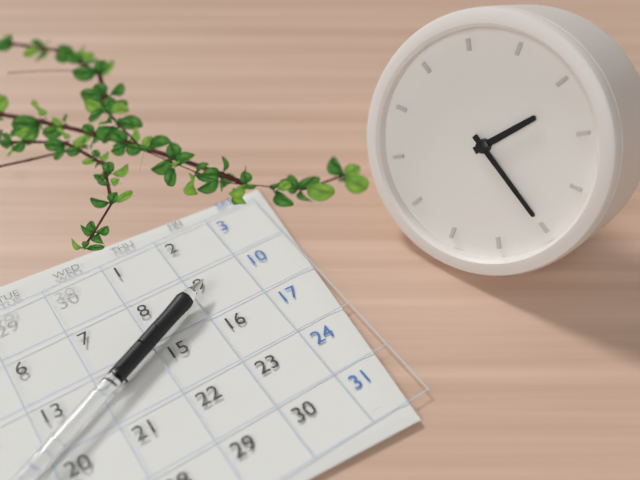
1:20
